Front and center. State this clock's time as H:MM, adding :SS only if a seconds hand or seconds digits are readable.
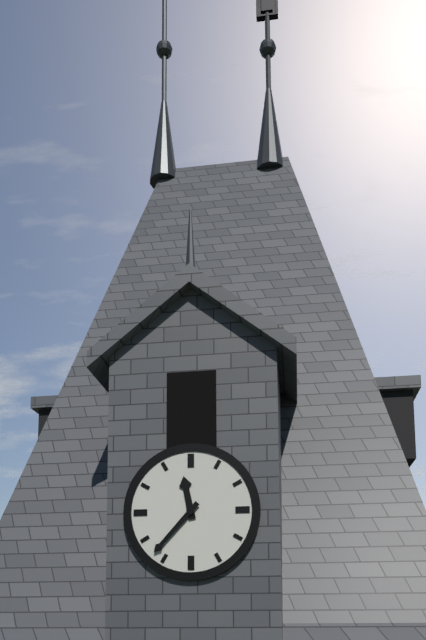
11:37
